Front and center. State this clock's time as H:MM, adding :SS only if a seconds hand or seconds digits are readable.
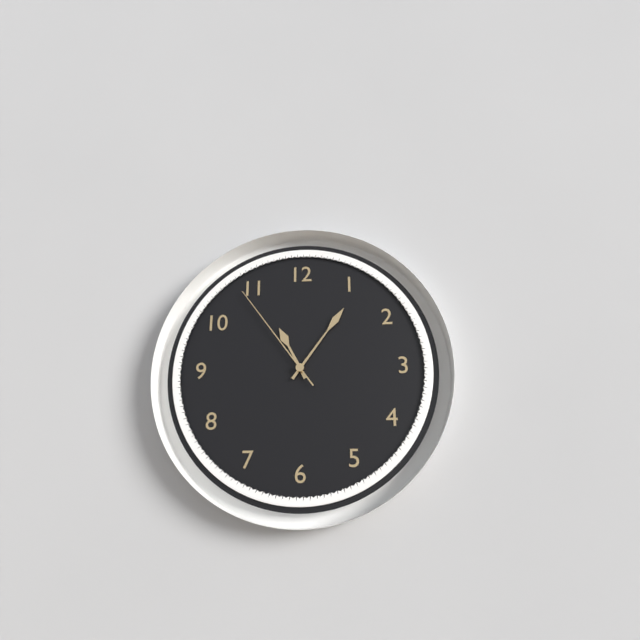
11:06:54
